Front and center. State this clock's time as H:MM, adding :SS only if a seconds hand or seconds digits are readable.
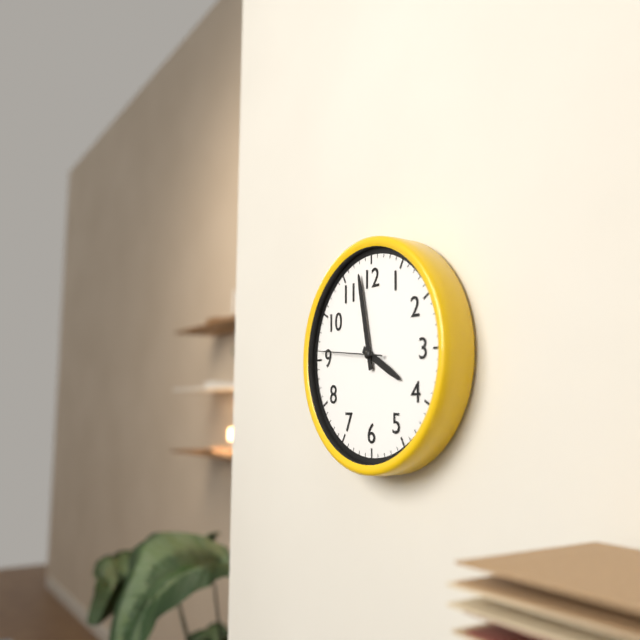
3:58:46
